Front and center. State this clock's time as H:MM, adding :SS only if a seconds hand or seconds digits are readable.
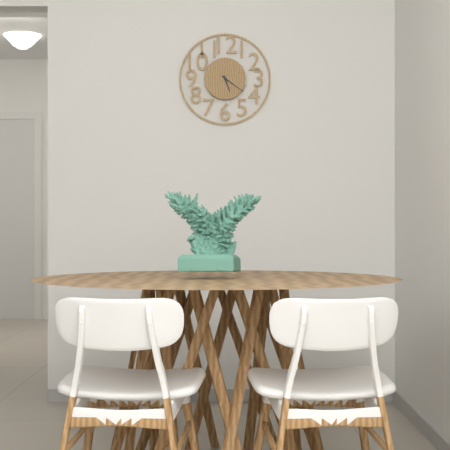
5:21
